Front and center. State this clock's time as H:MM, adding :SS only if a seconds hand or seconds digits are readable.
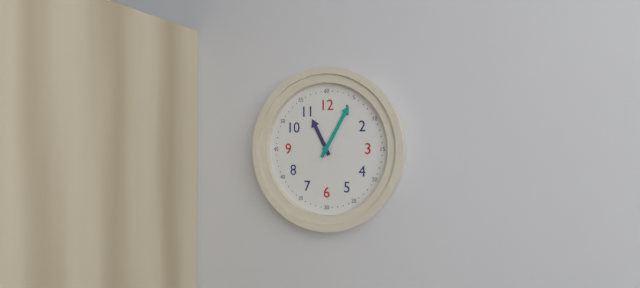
11:05
